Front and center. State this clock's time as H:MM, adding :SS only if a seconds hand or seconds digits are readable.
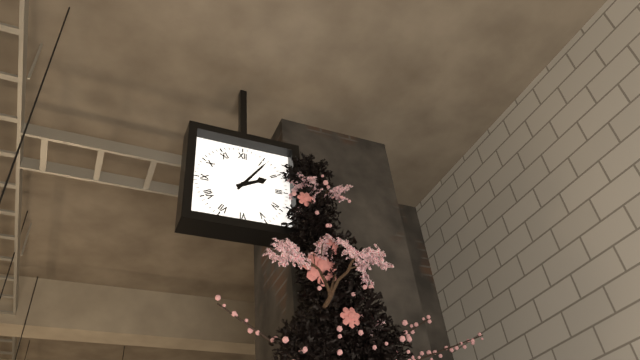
2:06
